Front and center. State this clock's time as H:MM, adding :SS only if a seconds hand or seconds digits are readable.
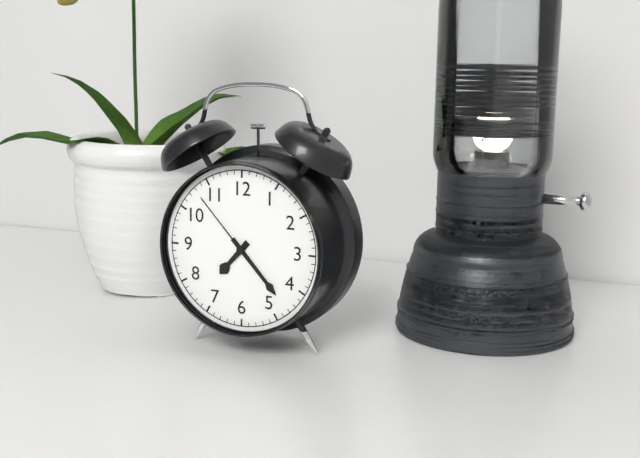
7:23:53
